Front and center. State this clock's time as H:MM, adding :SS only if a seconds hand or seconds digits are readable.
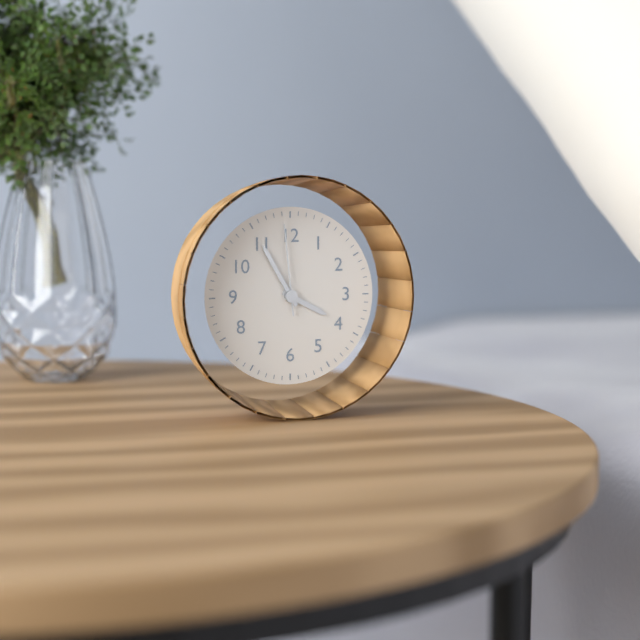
3:55:59
